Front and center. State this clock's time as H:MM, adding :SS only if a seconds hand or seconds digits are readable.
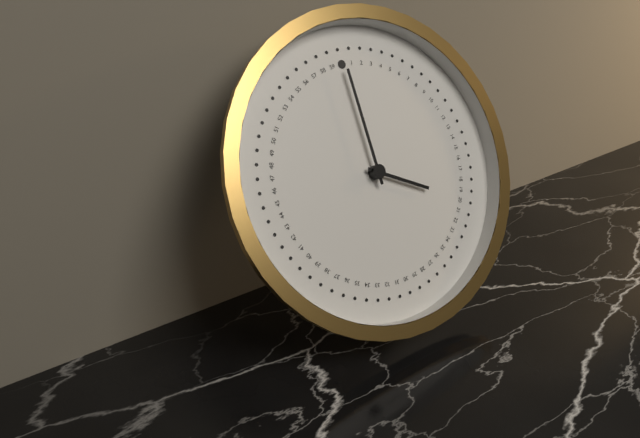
4:00
